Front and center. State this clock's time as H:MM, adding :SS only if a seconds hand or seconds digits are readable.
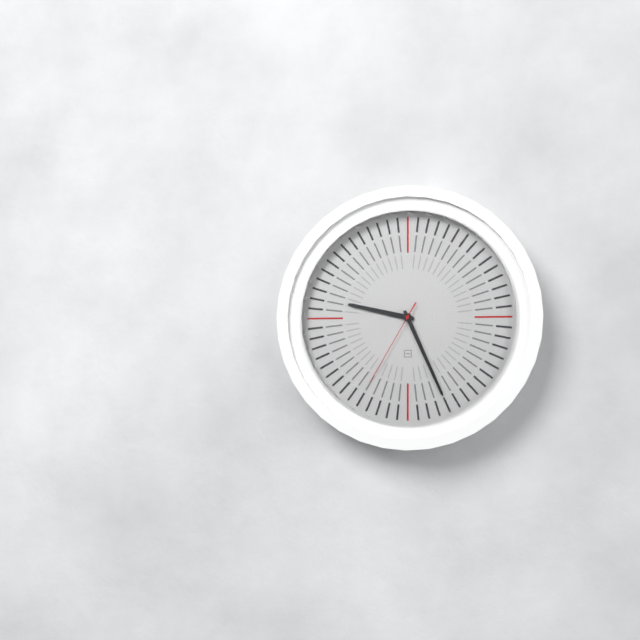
9:26:35
